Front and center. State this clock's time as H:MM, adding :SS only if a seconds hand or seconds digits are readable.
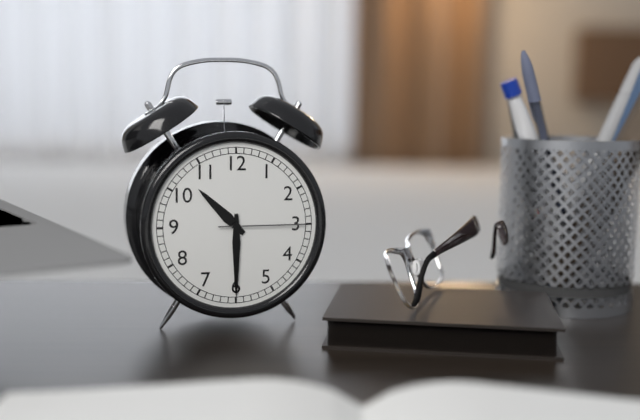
10:30:15
